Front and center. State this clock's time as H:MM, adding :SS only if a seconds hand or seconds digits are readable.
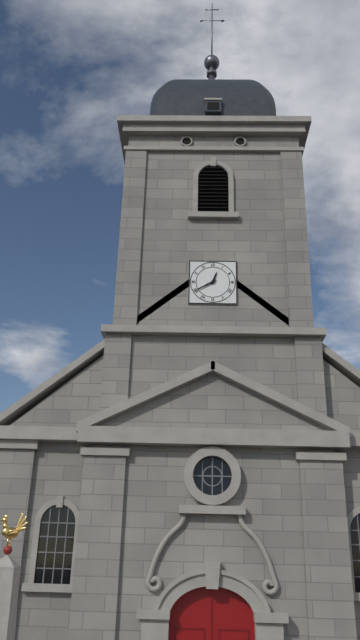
12:40
